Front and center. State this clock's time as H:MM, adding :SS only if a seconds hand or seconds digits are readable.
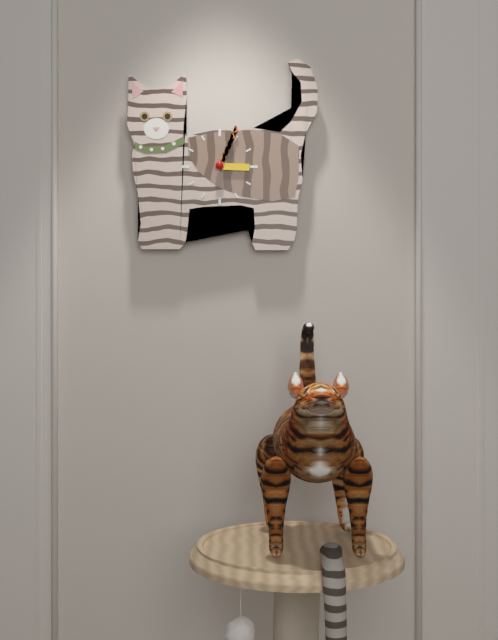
3:04
